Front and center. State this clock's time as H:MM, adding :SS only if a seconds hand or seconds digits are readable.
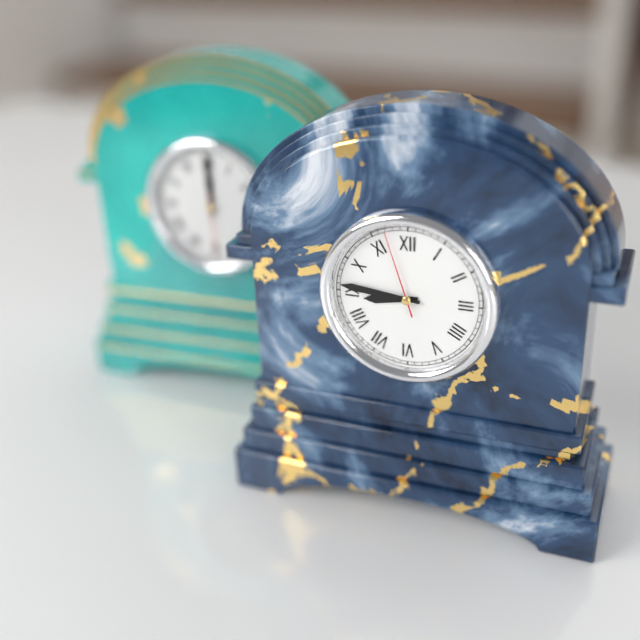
8:46:57
